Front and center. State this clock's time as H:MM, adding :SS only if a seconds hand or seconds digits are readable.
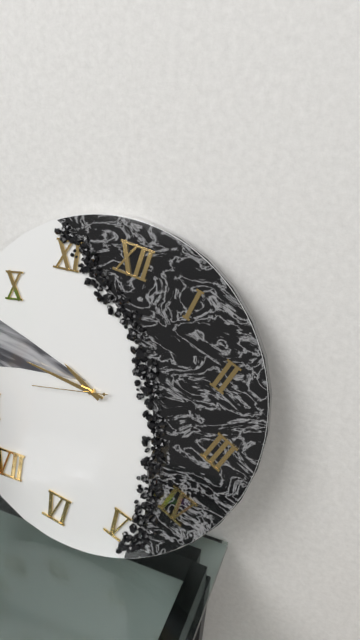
9:45:42
